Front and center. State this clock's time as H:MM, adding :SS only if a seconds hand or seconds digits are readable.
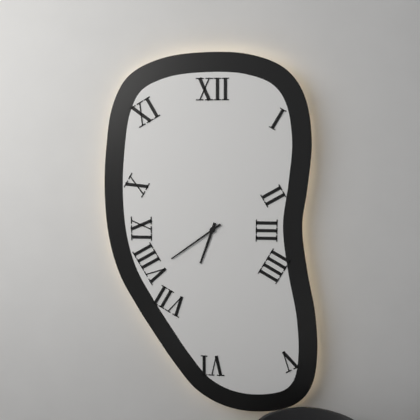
6:39
